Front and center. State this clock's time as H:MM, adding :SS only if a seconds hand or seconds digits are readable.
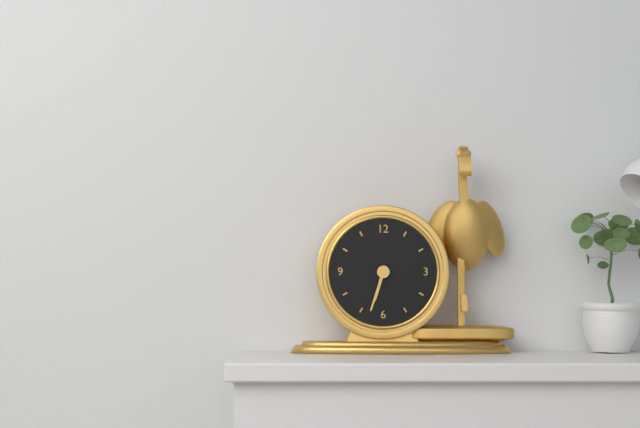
6:33
